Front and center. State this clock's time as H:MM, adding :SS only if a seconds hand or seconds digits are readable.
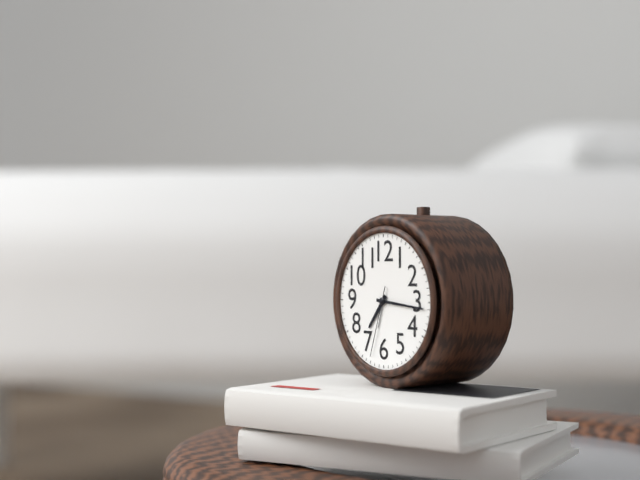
7:16:33
